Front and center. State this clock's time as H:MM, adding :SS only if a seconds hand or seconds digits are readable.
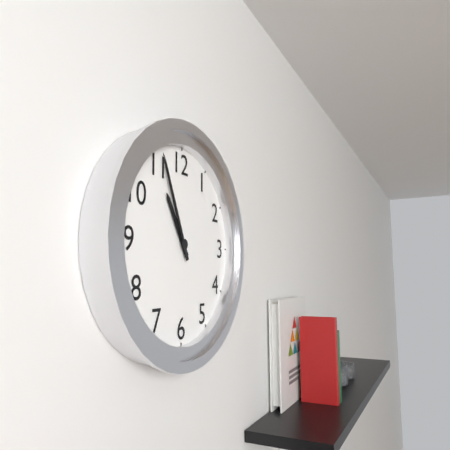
10:56
